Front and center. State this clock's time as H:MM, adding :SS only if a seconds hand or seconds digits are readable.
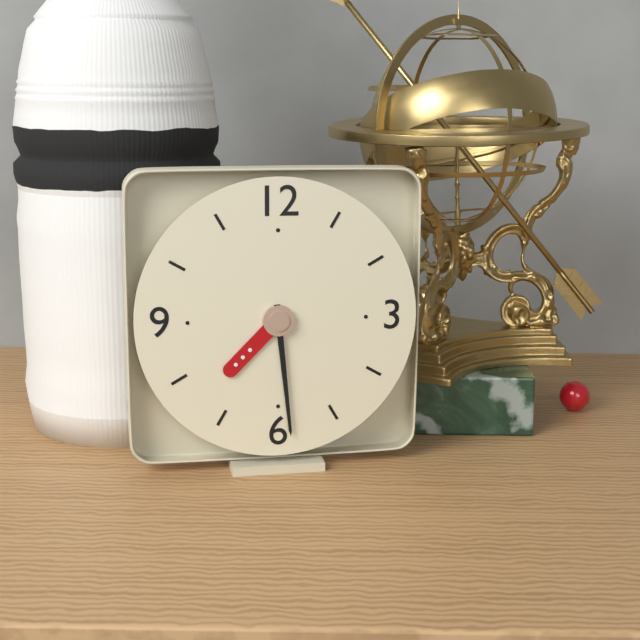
7:29
